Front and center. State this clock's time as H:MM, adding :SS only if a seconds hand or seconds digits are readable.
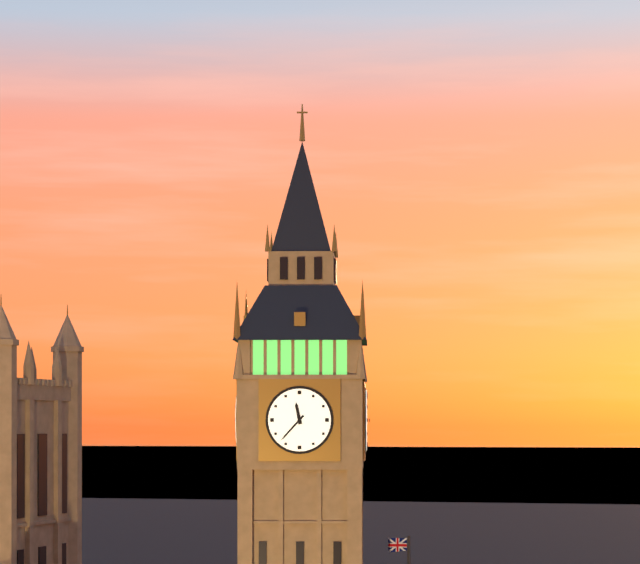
11:37
